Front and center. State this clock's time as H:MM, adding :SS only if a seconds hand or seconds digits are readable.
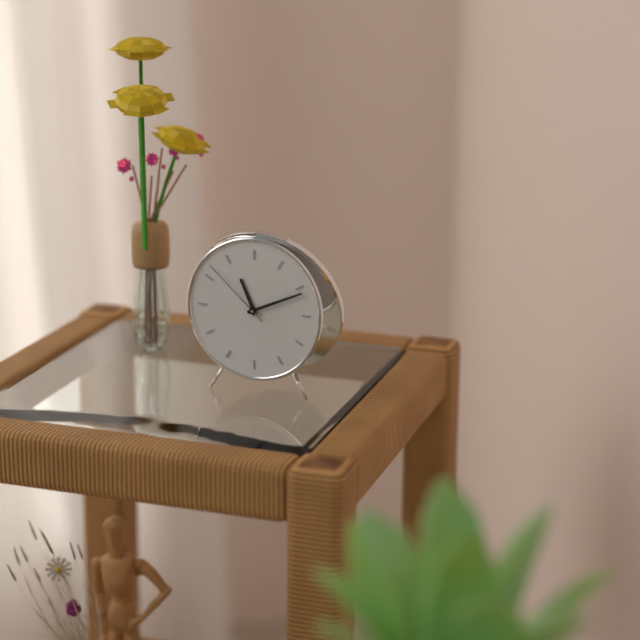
11:11:52
